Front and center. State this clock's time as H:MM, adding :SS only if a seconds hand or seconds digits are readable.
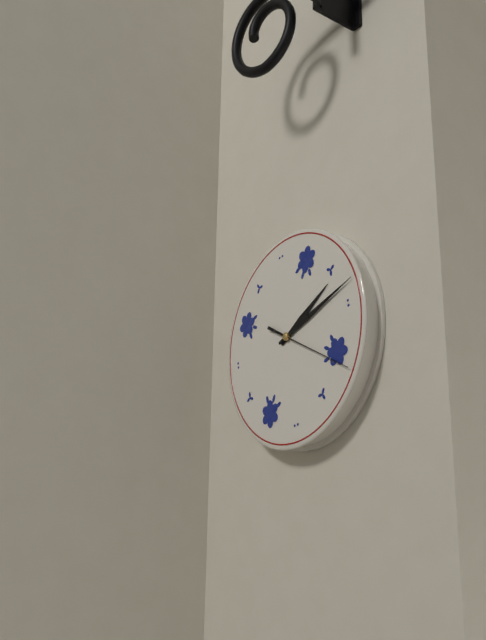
2:13:21
